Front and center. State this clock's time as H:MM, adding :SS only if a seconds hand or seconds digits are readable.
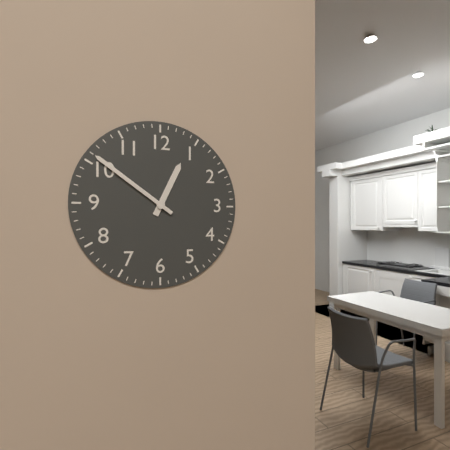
12:51
